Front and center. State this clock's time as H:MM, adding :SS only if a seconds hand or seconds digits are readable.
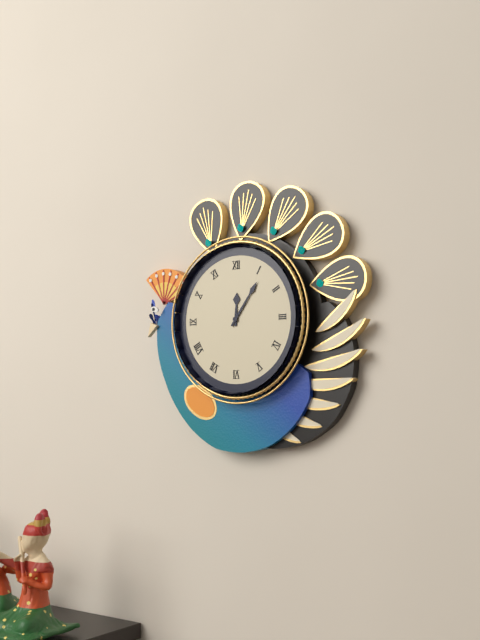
12:06
